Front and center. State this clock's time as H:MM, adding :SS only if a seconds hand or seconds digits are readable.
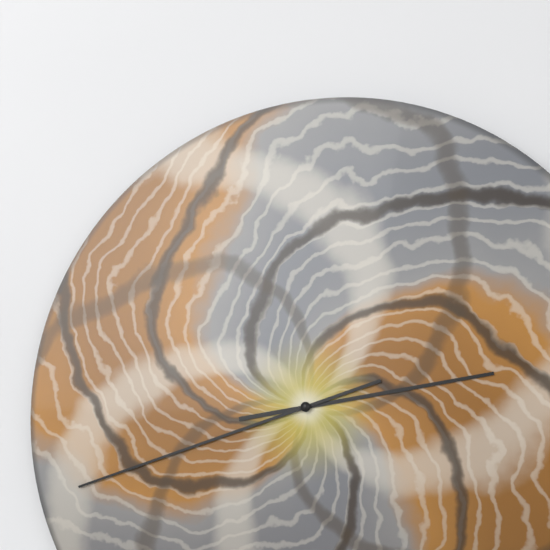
2:42
